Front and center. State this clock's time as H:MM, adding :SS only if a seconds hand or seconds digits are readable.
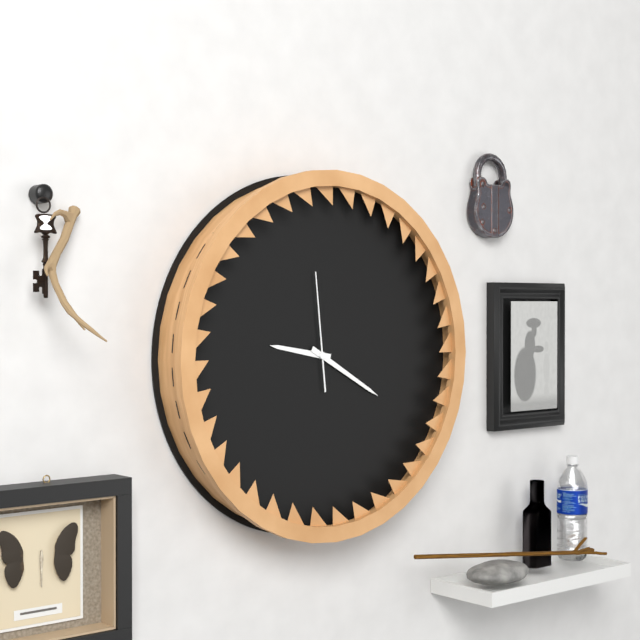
9:20:59
